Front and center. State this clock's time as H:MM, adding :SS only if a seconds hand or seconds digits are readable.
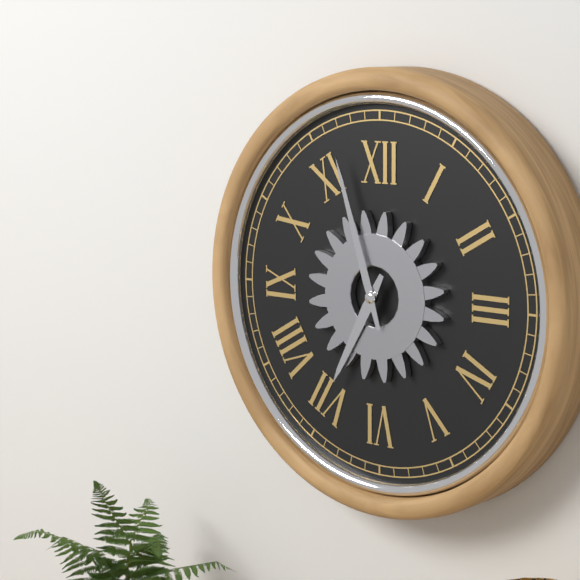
6:57
